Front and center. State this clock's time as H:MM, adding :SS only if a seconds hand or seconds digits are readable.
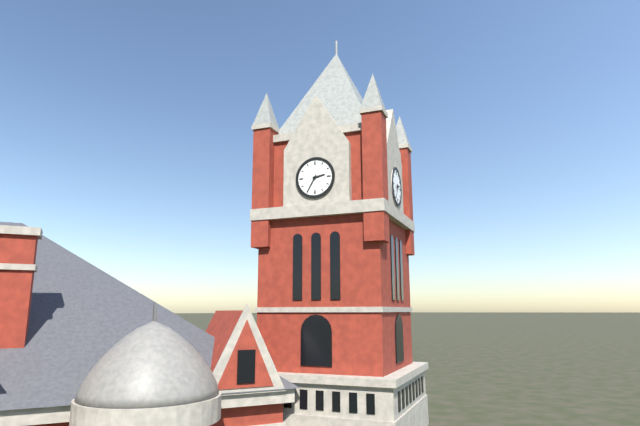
2:35
